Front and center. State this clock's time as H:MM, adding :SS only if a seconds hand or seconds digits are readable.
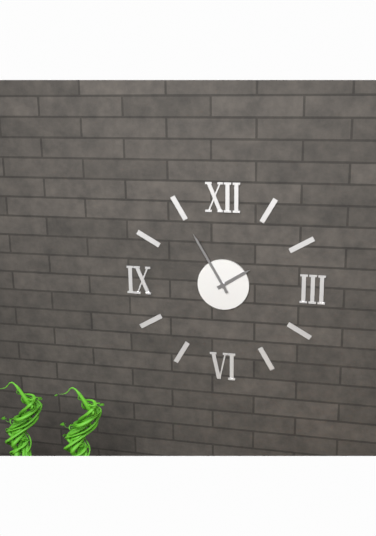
1:55
